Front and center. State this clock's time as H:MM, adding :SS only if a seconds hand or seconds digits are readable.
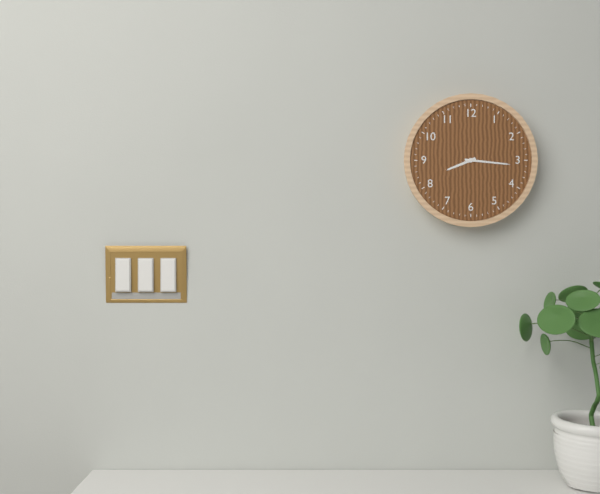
8:16
